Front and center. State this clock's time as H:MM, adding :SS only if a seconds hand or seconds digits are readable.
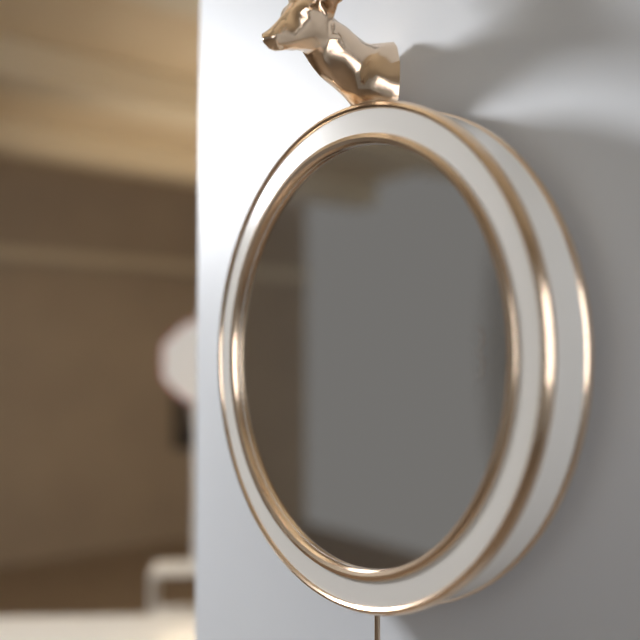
3:47
